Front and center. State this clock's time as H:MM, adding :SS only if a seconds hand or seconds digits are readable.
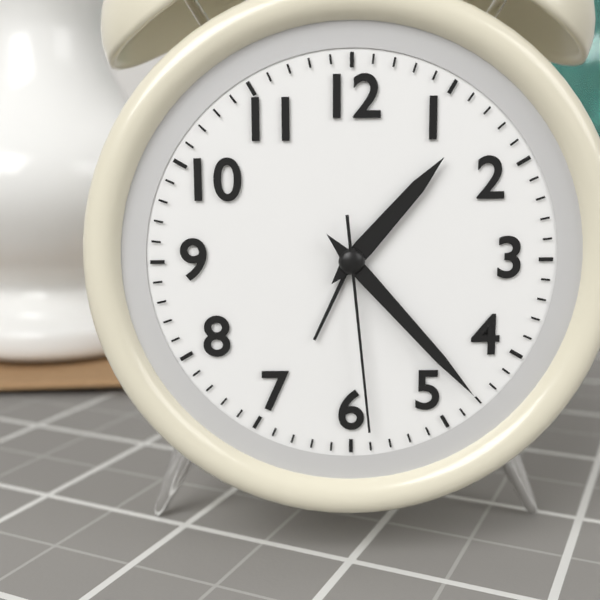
1:23:29
